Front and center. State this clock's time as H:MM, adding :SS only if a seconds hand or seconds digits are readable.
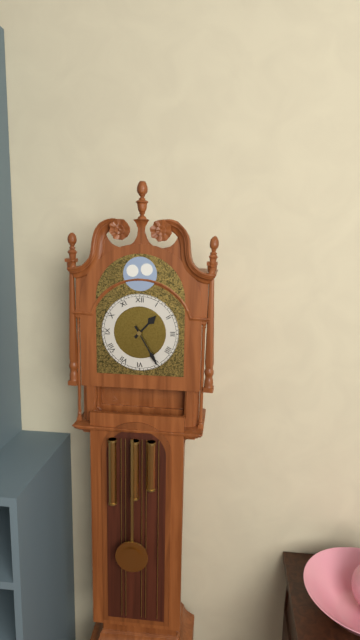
1:25
